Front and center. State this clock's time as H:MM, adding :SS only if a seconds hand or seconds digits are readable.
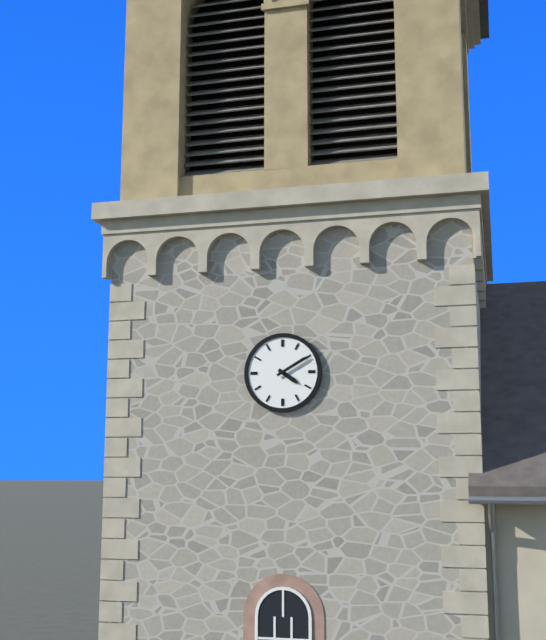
4:10
